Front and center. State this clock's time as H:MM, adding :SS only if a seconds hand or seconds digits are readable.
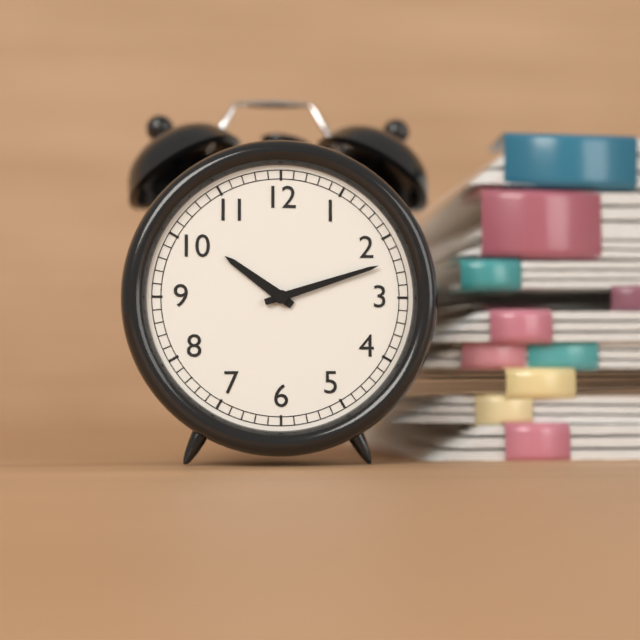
10:12
